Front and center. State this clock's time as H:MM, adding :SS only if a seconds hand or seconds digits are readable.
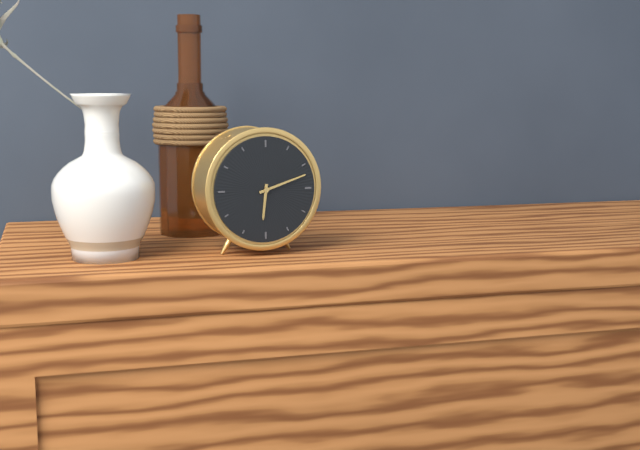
6:12
